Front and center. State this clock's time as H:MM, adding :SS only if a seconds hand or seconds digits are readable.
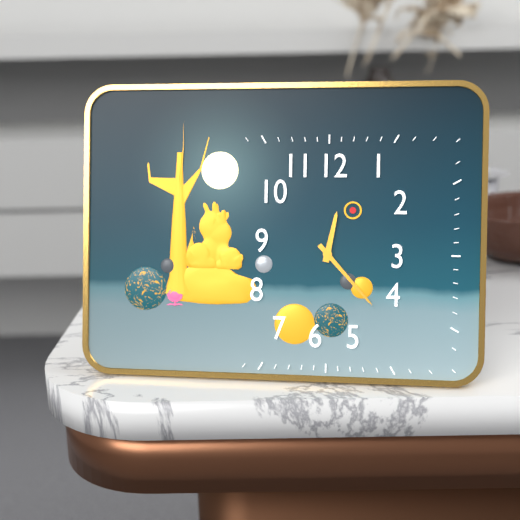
12:23
